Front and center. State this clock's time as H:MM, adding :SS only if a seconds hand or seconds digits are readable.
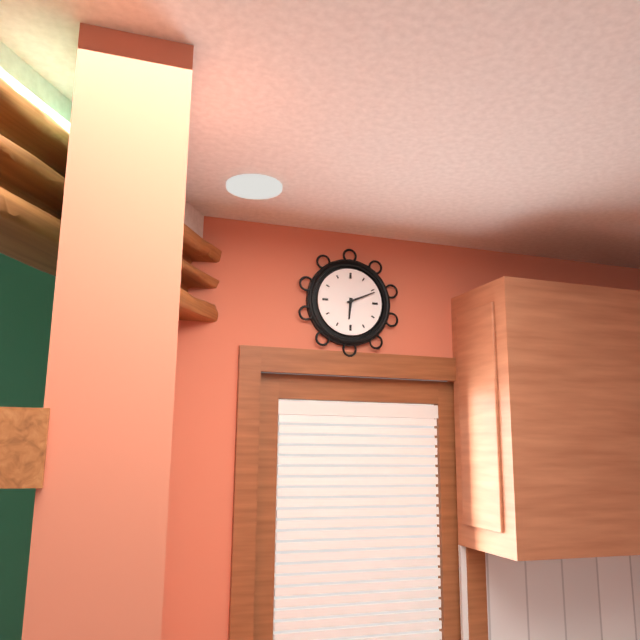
6:11
